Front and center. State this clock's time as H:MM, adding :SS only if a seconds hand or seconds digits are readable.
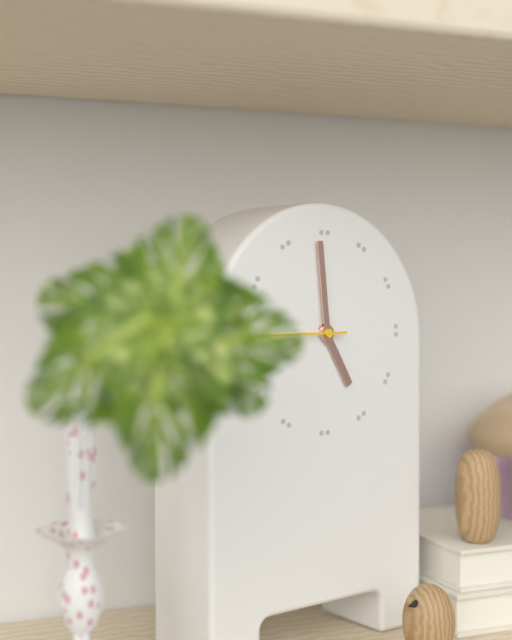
4:59
